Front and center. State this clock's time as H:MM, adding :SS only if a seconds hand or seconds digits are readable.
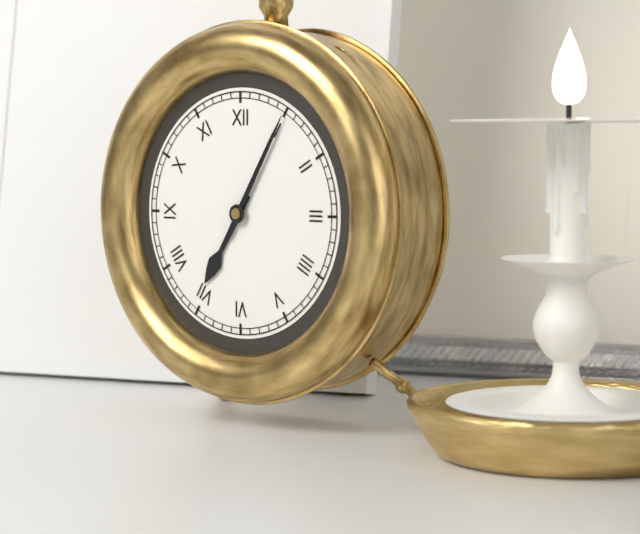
7:05
